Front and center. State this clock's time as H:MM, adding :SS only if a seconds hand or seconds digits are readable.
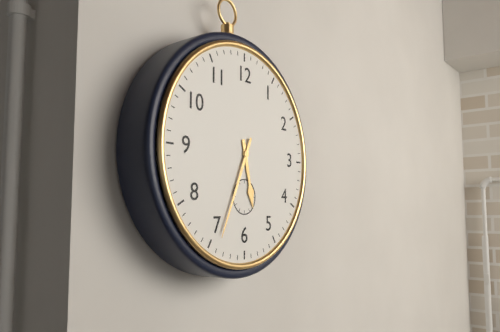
5:34
